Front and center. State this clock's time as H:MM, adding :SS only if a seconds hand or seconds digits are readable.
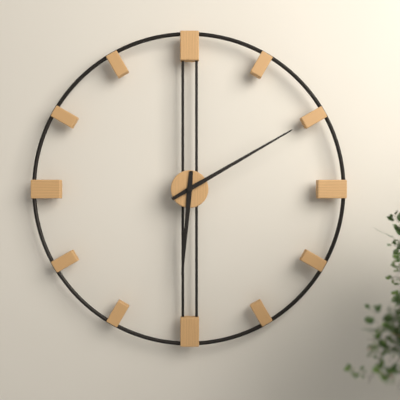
6:10
